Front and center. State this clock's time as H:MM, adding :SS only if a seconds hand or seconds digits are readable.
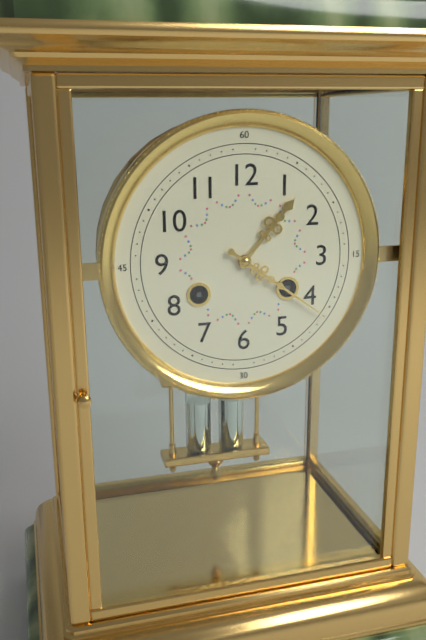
1:21
